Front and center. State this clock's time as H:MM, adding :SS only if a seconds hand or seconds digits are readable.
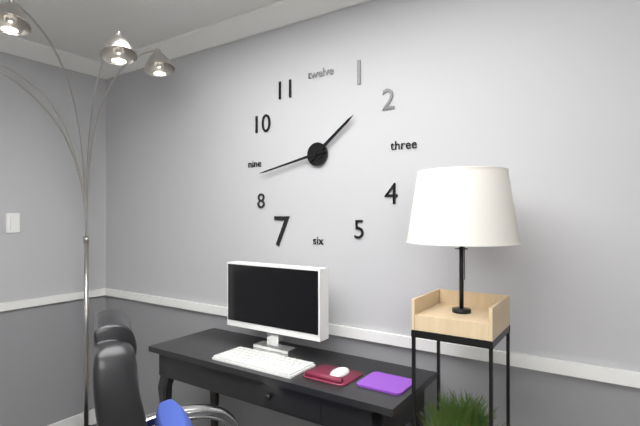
1:43
